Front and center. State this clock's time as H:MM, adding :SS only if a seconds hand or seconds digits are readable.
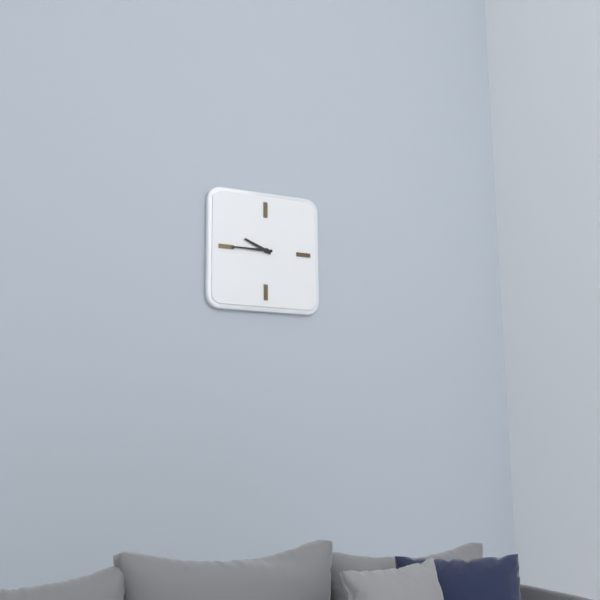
9:45
